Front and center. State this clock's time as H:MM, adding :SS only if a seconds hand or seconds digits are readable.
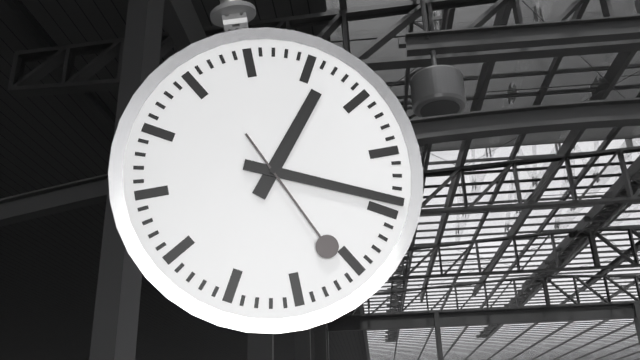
1:19:26
